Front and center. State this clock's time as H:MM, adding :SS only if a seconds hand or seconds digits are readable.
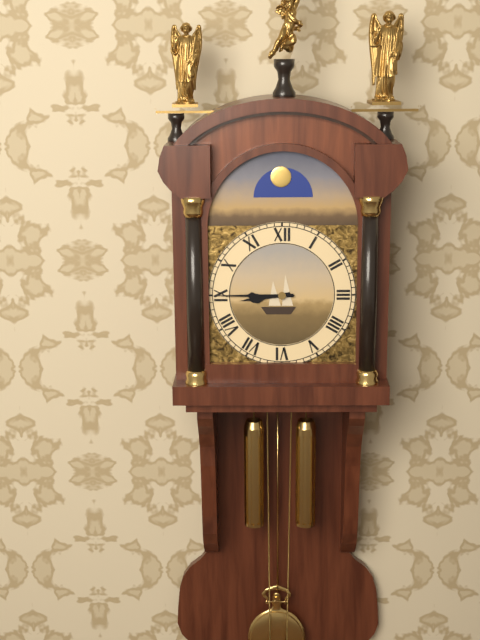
8:45
